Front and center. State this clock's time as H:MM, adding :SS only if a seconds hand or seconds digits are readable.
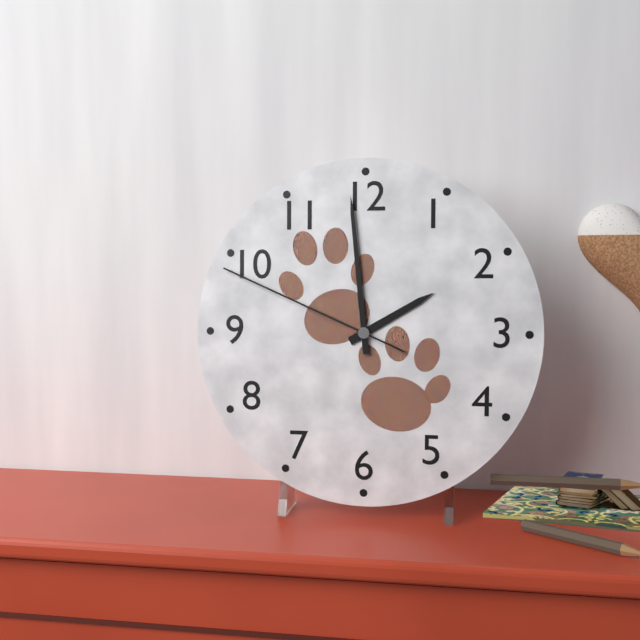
1:59:49
